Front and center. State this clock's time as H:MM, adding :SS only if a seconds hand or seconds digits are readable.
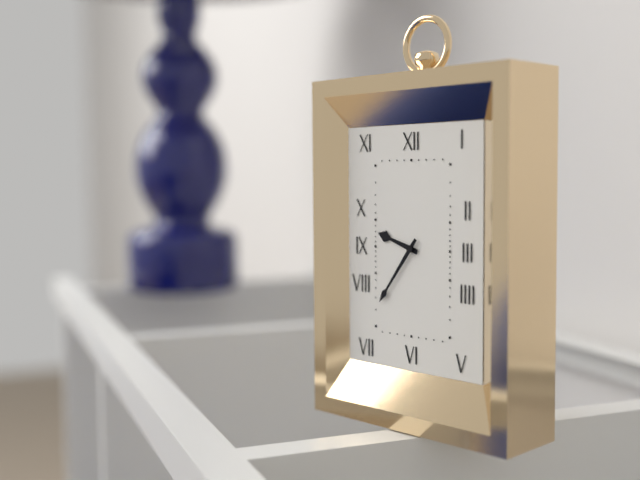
9:36
